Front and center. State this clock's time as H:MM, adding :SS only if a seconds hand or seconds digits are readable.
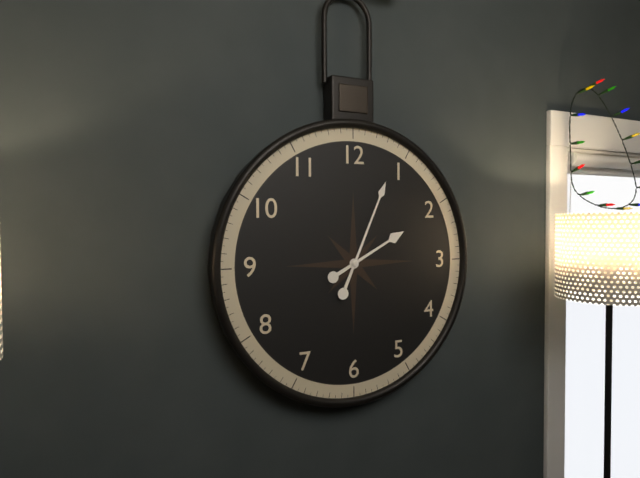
2:04
